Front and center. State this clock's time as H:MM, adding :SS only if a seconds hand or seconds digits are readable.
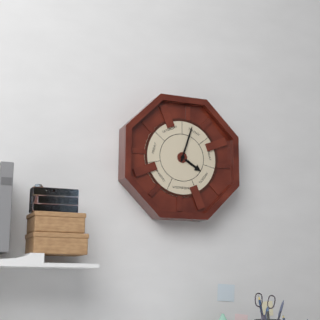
4:03
